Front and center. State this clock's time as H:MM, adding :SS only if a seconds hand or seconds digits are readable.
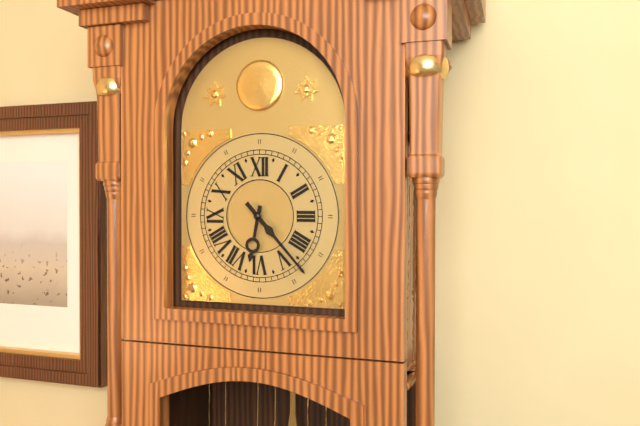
6:23
